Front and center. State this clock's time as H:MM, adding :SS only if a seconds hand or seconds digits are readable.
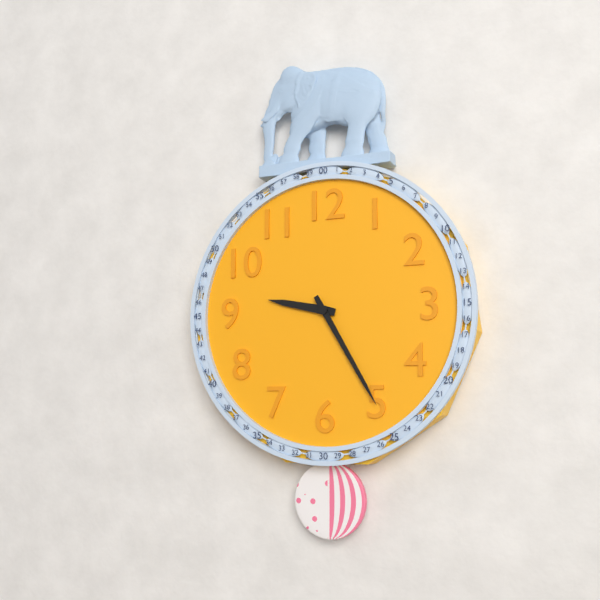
9:25
